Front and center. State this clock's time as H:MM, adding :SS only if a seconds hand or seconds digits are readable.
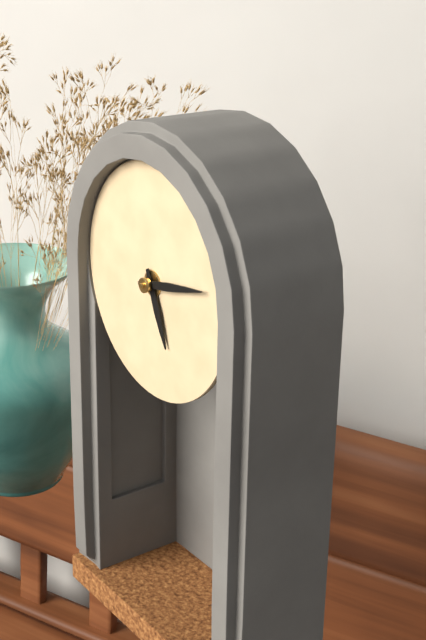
5:13
